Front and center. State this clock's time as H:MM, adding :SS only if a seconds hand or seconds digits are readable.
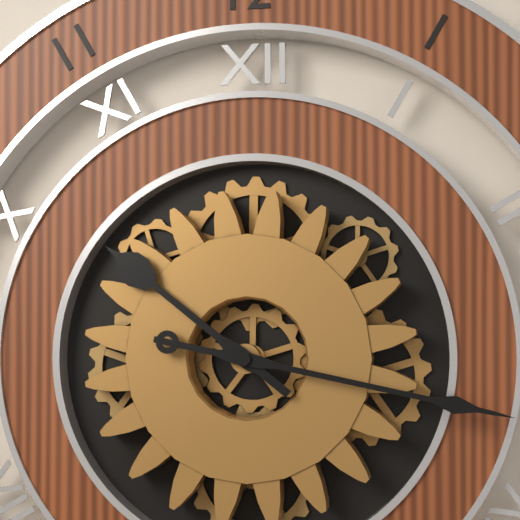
10:17
